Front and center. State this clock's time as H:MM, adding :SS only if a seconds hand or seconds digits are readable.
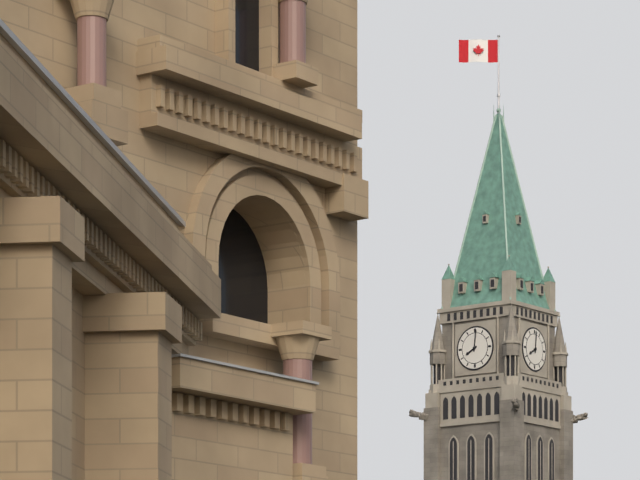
8:01
